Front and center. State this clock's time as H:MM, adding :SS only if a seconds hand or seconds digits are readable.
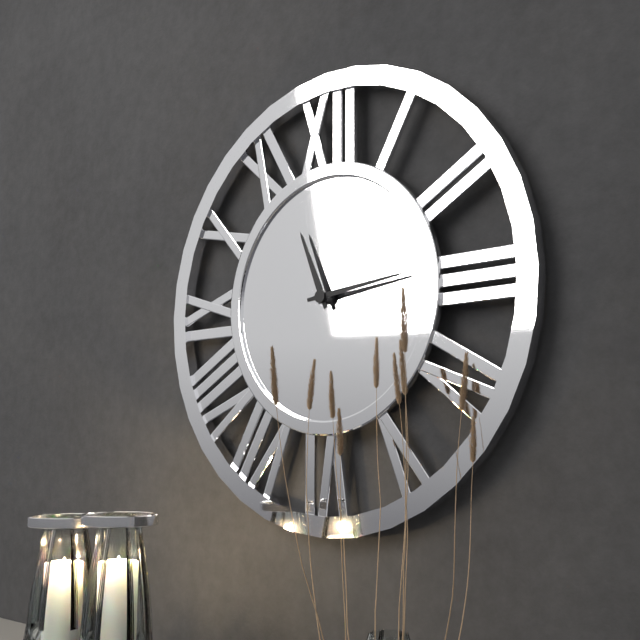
11:14
